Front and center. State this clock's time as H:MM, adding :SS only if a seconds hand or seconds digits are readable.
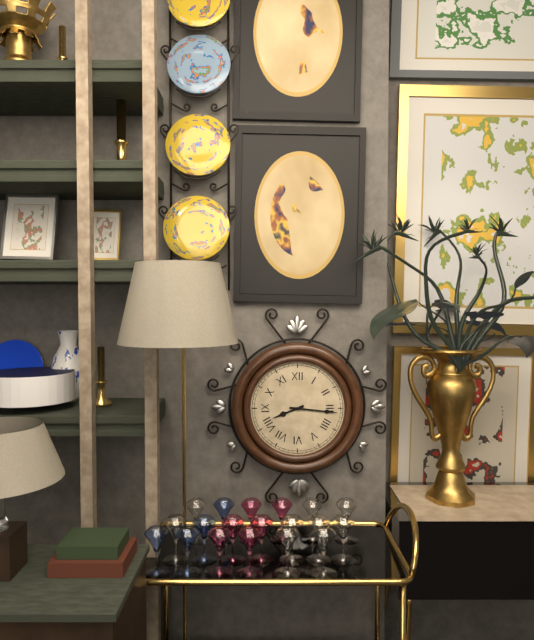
8:16
